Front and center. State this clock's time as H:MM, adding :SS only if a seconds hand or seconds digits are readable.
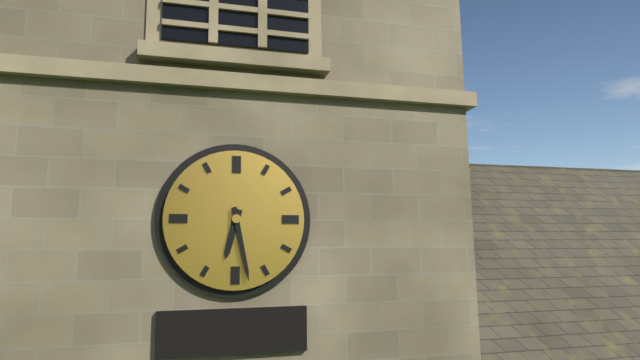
6:28
